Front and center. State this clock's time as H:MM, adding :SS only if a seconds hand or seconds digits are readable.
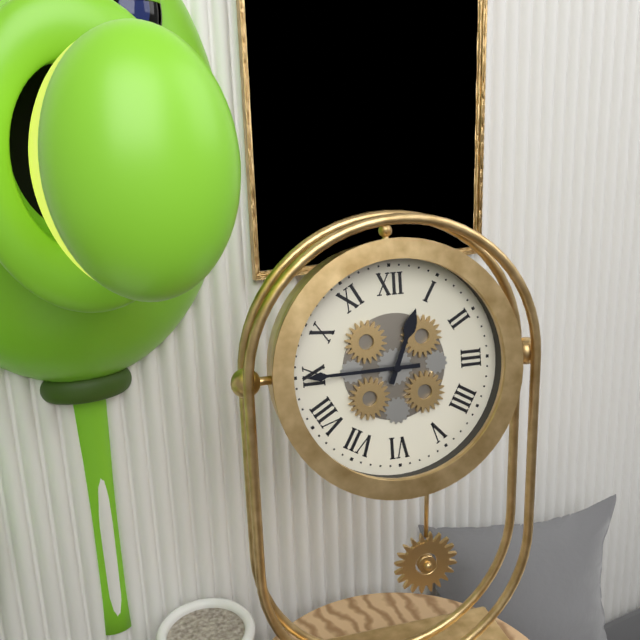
12:45
